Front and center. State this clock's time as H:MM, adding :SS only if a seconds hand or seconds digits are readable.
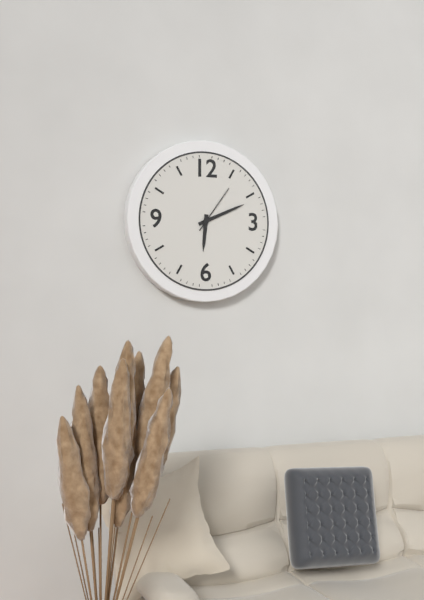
6:11:06
